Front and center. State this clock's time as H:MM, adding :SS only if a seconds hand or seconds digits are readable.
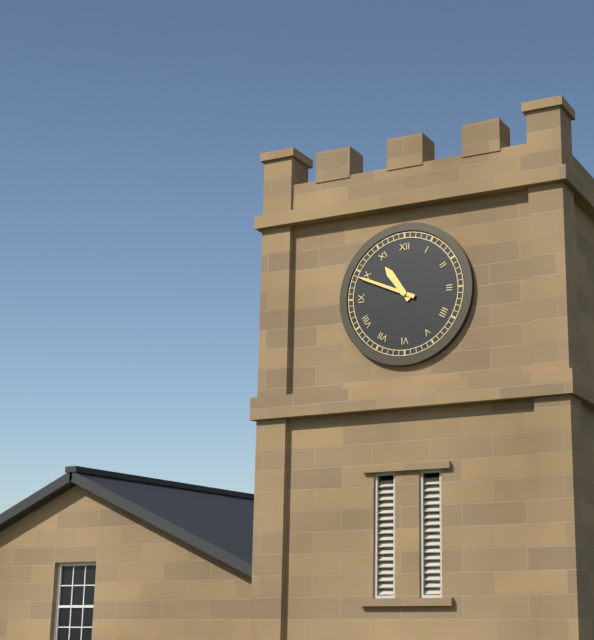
10:49
